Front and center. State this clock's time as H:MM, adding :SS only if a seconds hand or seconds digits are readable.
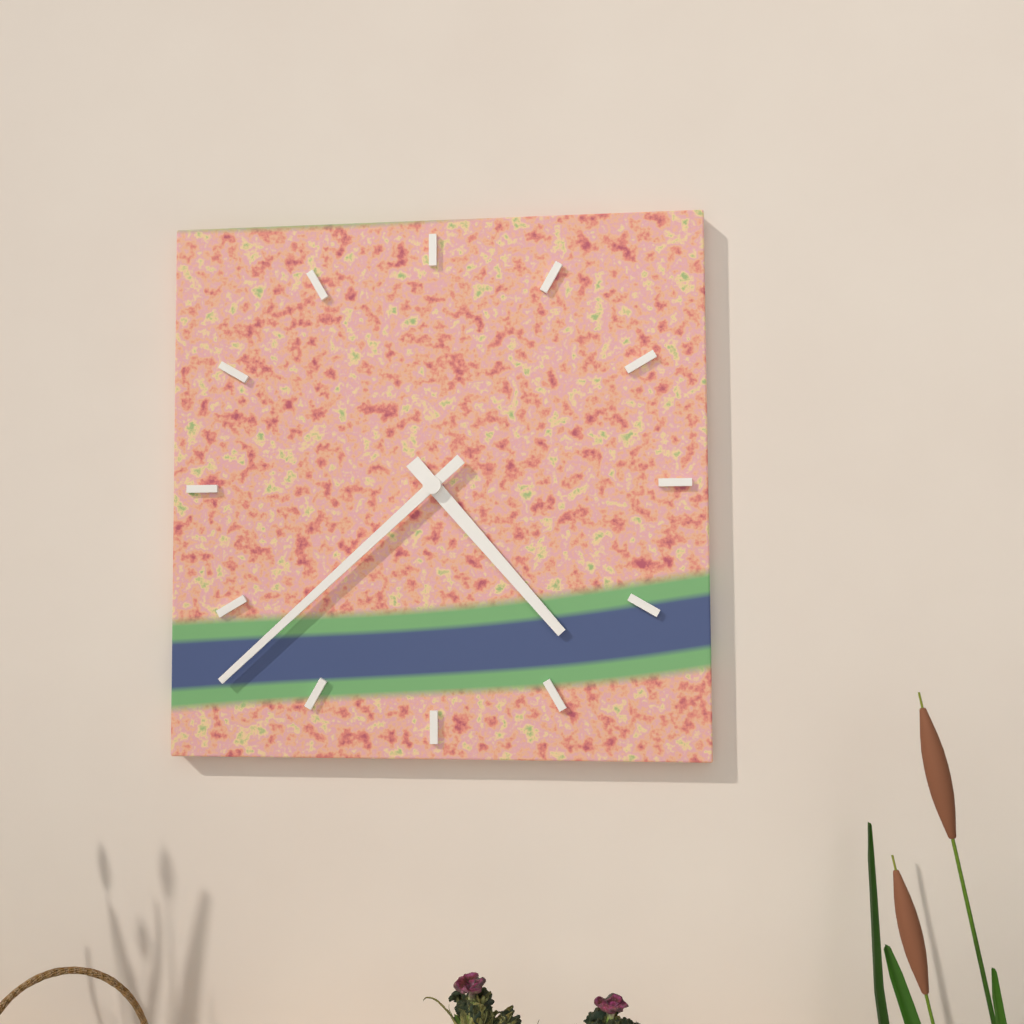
4:38
